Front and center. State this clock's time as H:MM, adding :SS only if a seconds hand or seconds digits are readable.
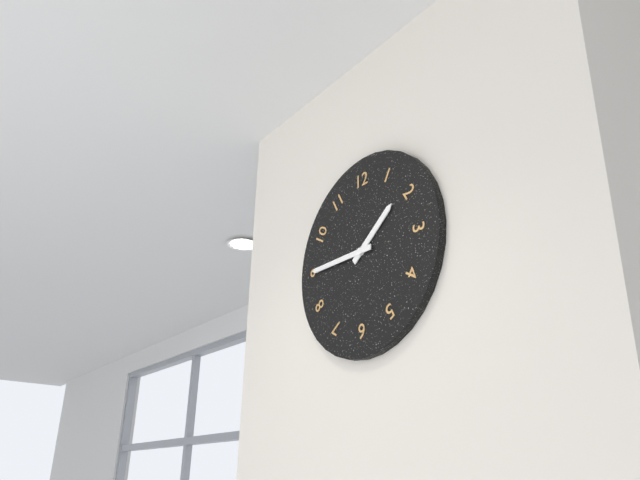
1:45
